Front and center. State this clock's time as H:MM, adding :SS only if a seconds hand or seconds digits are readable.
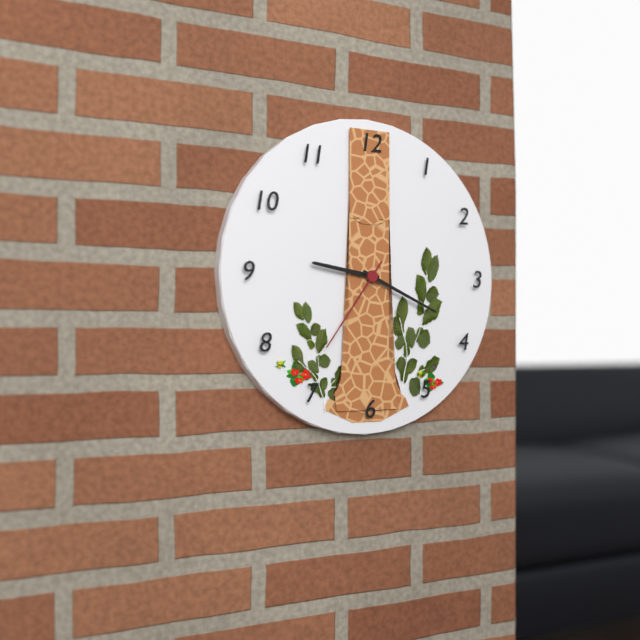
9:19:36
